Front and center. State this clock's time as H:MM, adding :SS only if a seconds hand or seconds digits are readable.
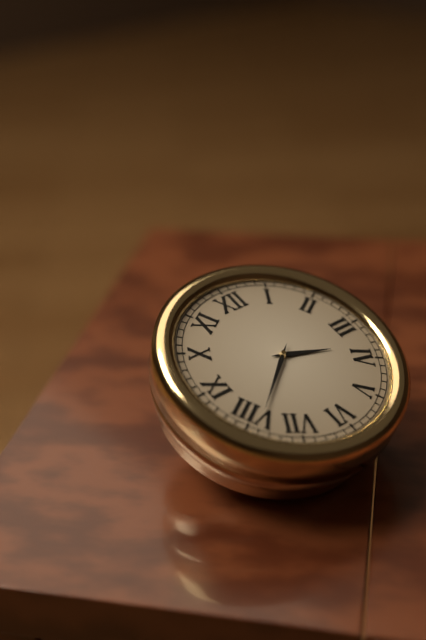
3:39
